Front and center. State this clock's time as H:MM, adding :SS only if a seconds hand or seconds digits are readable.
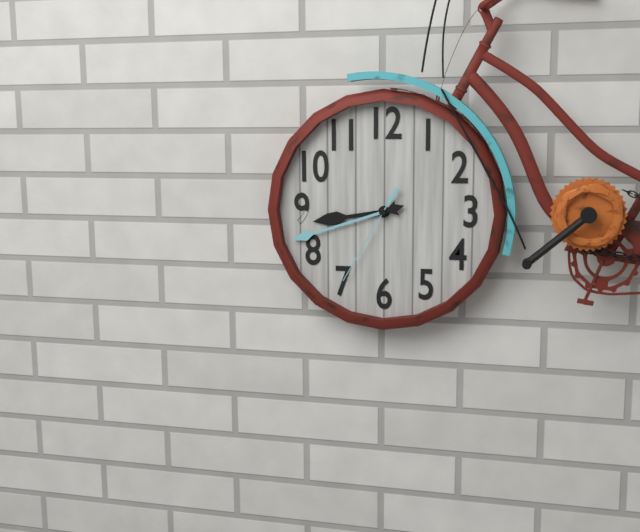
8:42:35
